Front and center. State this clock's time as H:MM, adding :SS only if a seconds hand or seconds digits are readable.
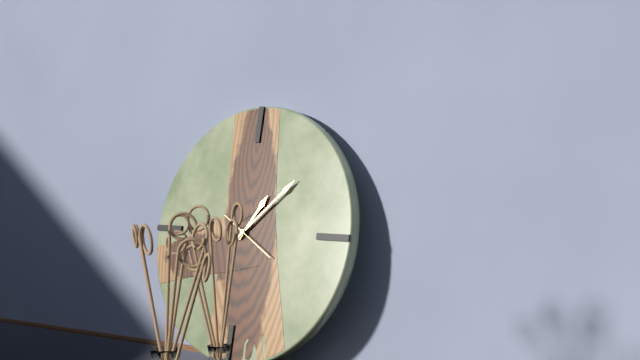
1:08
